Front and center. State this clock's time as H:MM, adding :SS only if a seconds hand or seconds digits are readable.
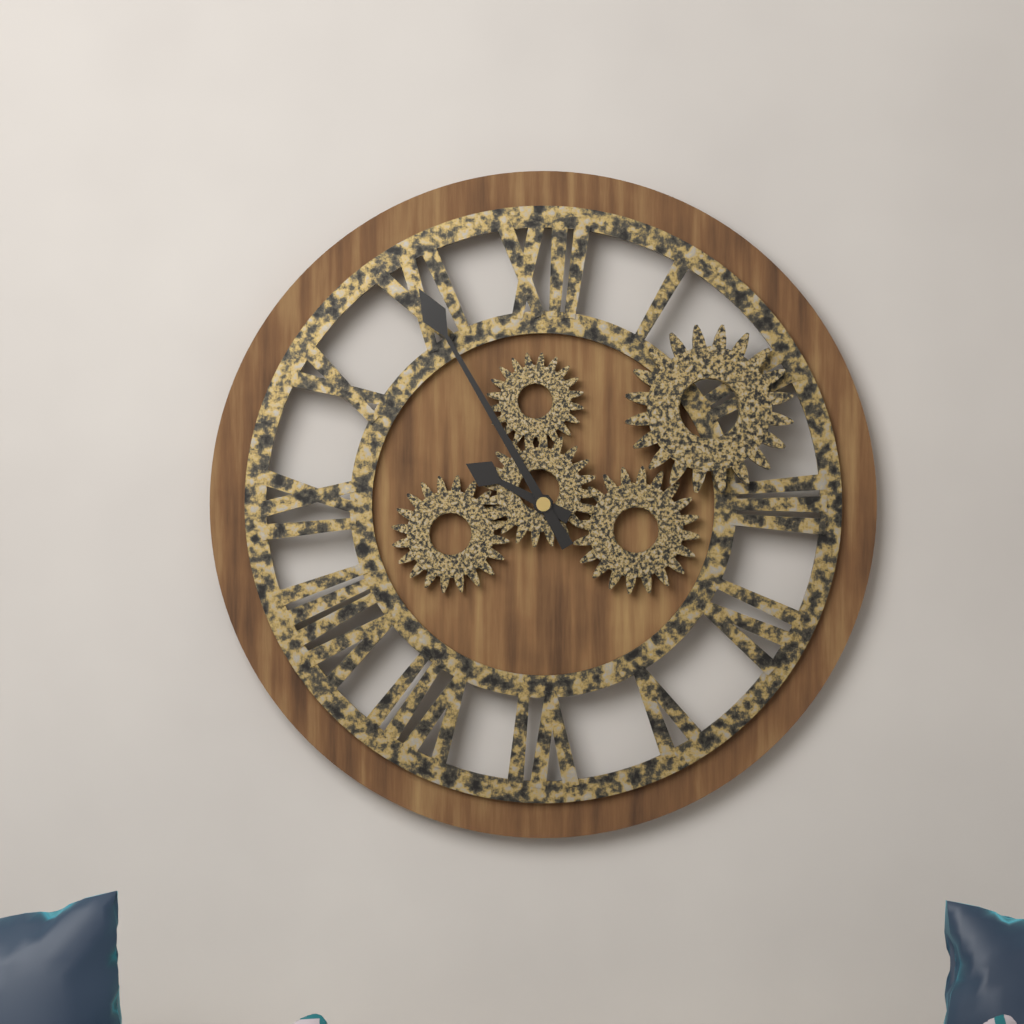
9:55
